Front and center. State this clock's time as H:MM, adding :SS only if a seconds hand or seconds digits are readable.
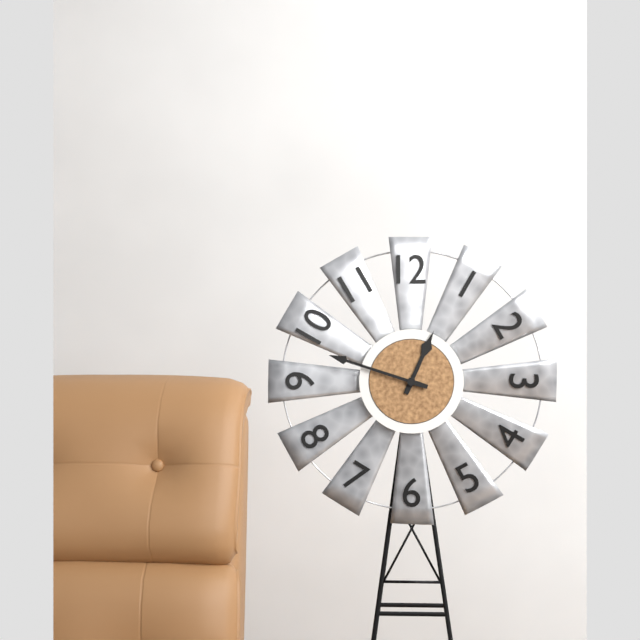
12:48
